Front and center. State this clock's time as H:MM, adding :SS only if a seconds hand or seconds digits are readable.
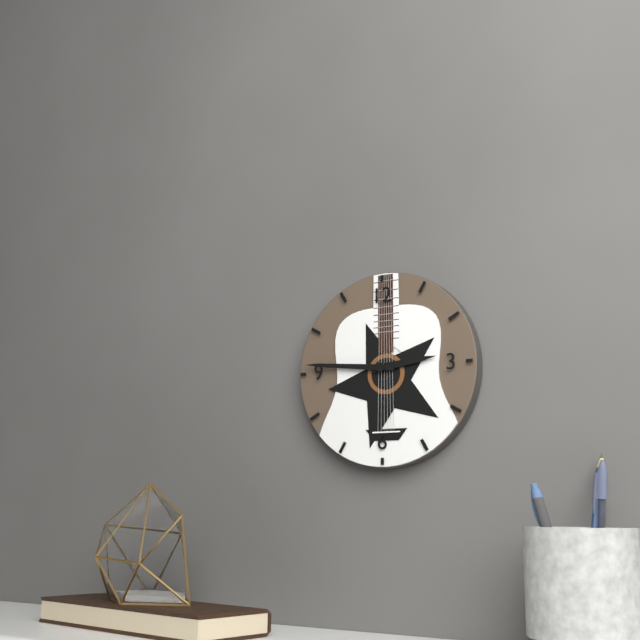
2:46
